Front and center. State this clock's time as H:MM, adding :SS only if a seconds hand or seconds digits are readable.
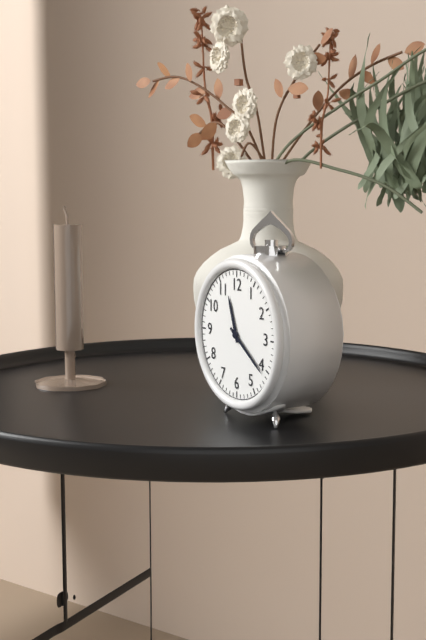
11:21
